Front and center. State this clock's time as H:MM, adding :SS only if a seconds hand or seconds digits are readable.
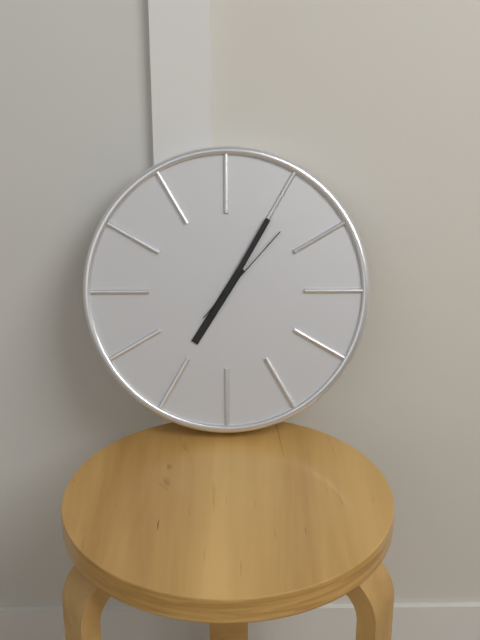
7:05:07
